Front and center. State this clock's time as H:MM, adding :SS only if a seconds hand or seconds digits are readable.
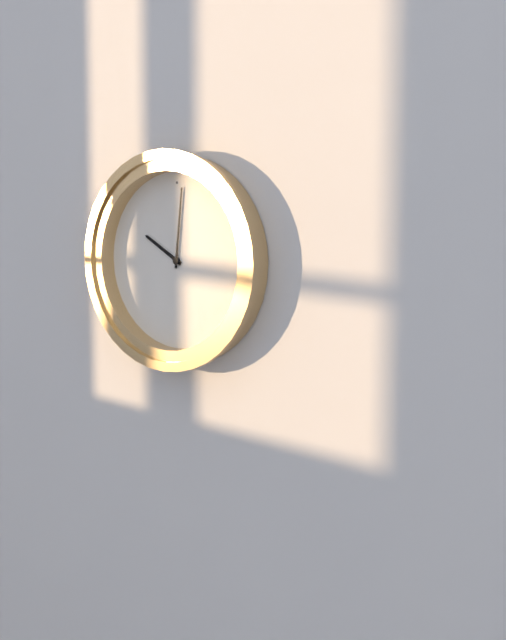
10:01
